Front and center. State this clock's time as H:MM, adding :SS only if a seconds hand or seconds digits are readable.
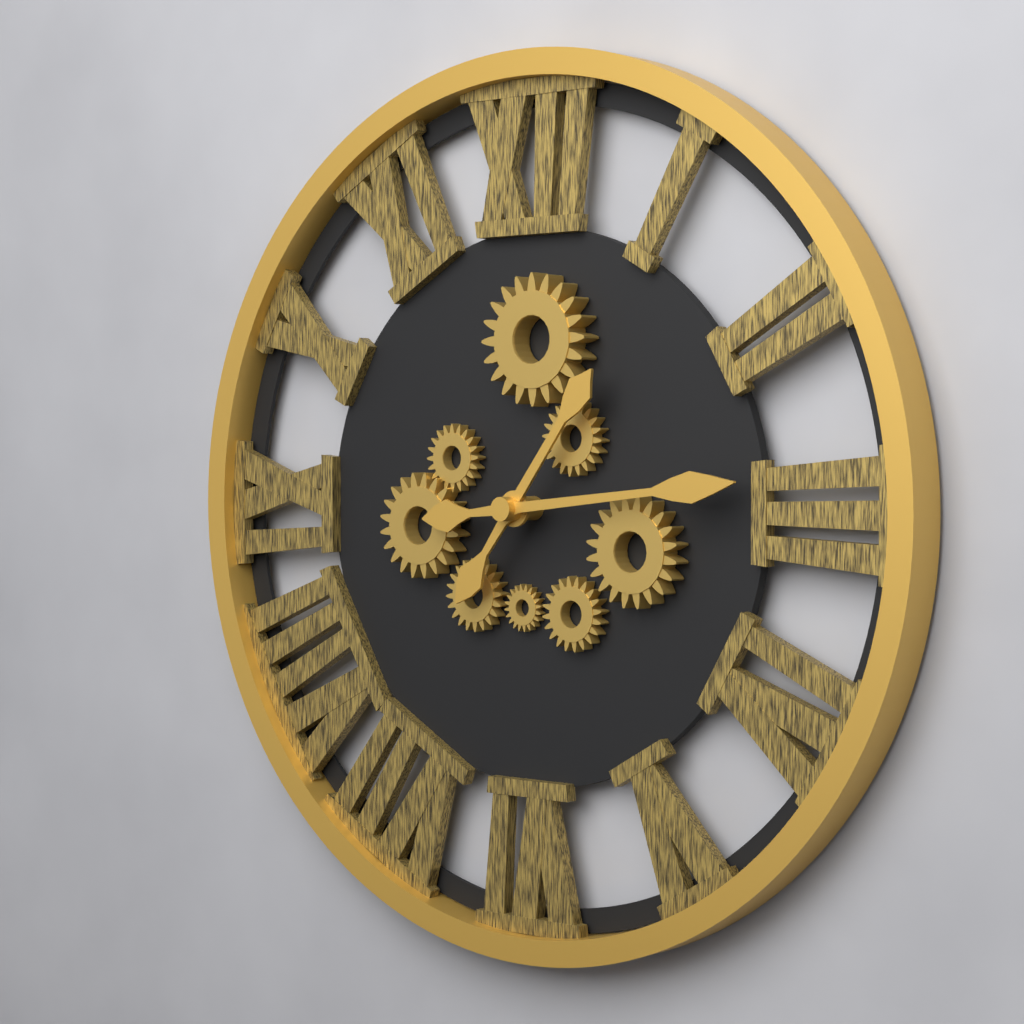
1:14
